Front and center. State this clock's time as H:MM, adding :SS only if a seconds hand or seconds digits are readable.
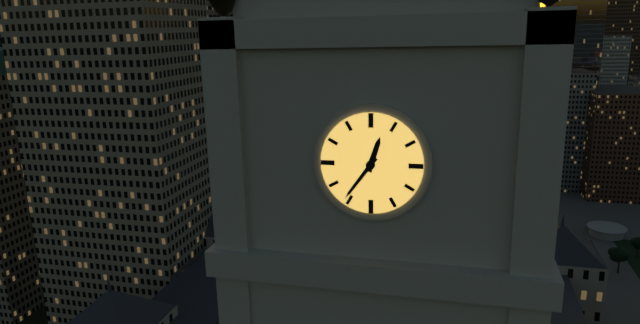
12:36
